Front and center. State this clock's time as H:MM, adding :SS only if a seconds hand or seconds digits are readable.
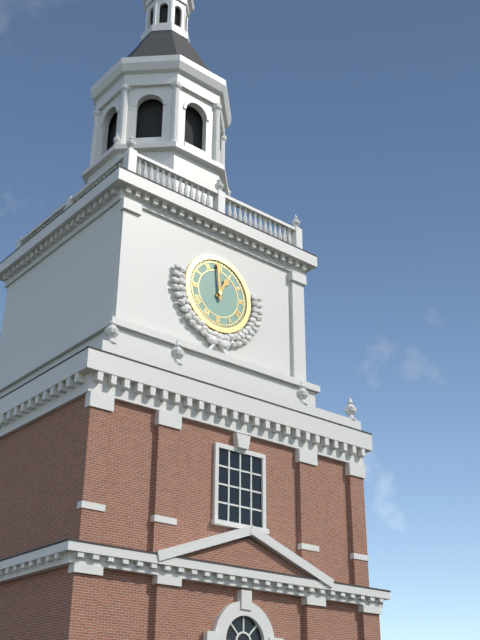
12:59
